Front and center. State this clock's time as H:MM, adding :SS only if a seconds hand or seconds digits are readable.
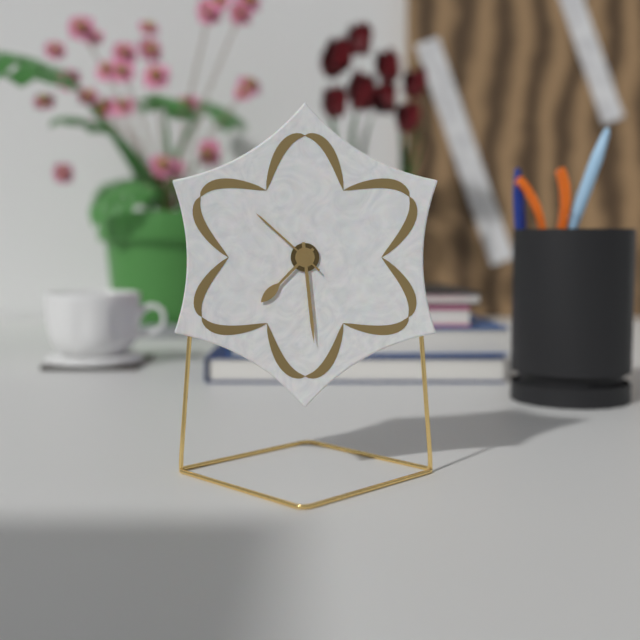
7:29:52
